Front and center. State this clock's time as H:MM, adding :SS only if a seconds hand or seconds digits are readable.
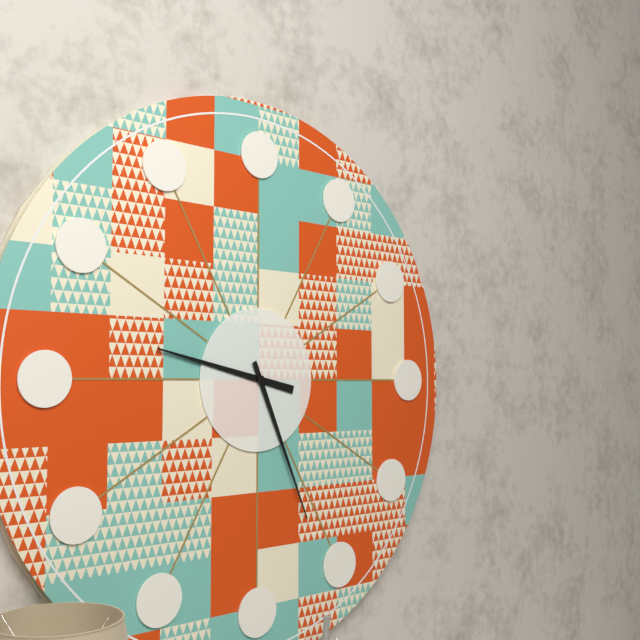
9:26
